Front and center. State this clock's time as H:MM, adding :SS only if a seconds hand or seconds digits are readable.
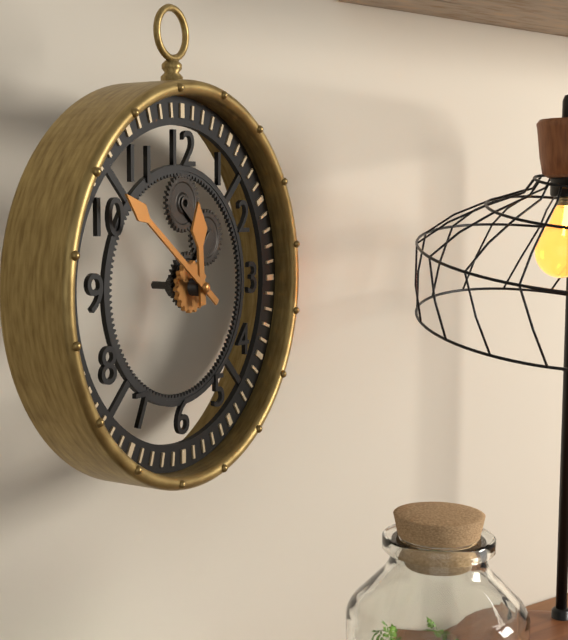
11:51
